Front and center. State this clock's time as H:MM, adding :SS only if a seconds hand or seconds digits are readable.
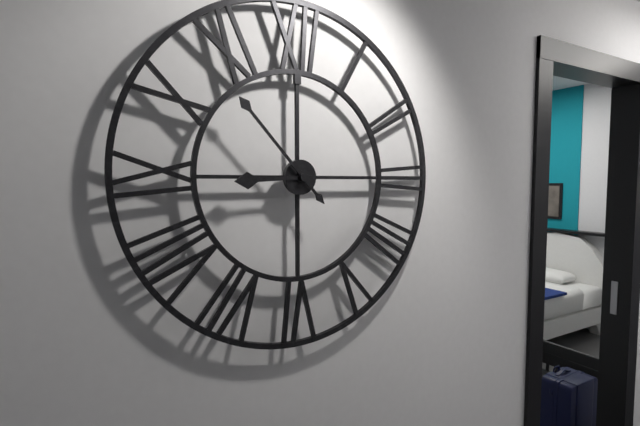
8:53
